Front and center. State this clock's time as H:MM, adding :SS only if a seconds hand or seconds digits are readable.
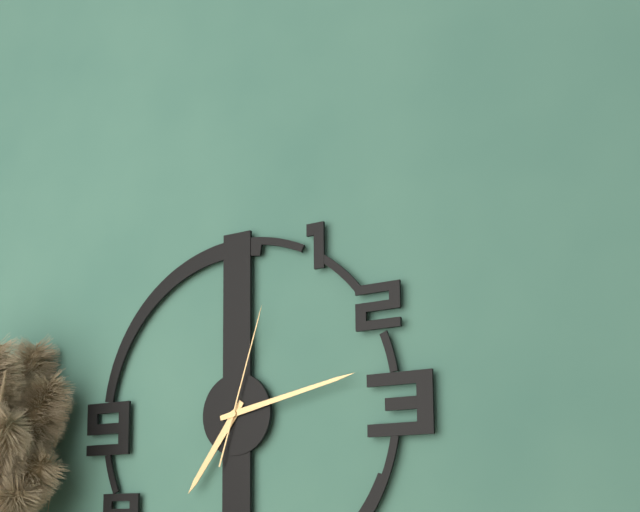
7:13:03
